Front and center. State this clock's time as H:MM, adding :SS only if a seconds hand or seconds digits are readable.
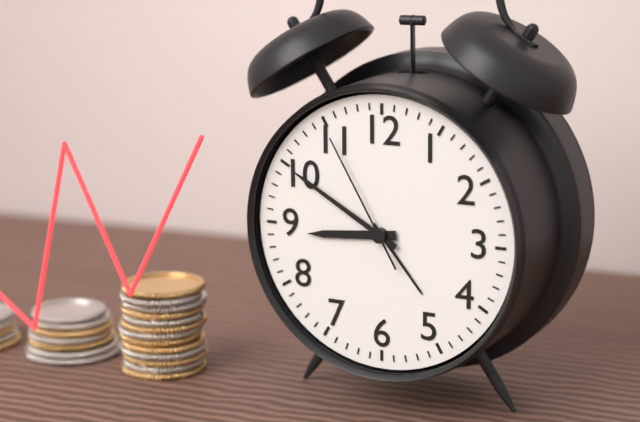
8:50:55
